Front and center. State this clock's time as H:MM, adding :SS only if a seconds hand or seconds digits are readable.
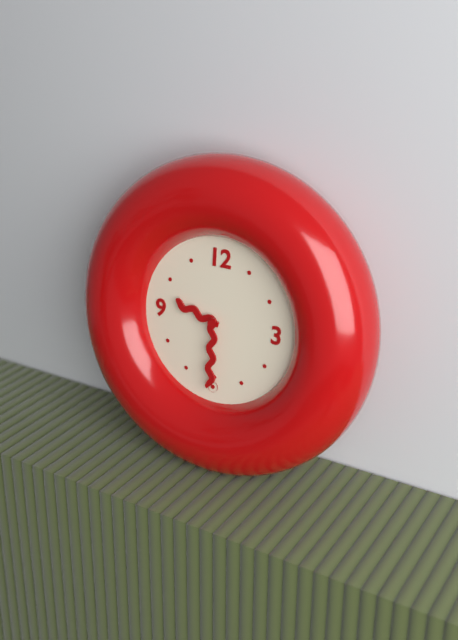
9:30
